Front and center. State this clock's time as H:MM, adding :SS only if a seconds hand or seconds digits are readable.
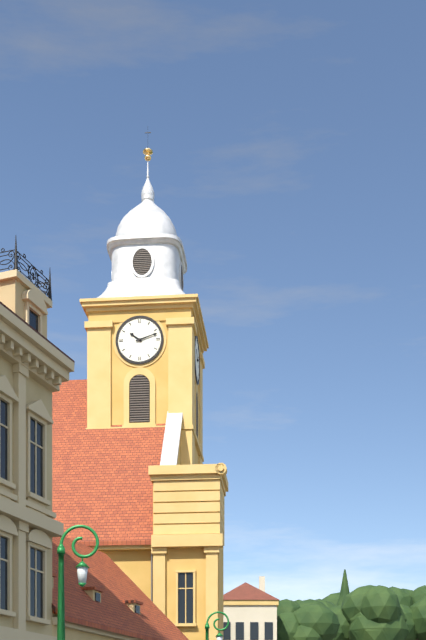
10:12
